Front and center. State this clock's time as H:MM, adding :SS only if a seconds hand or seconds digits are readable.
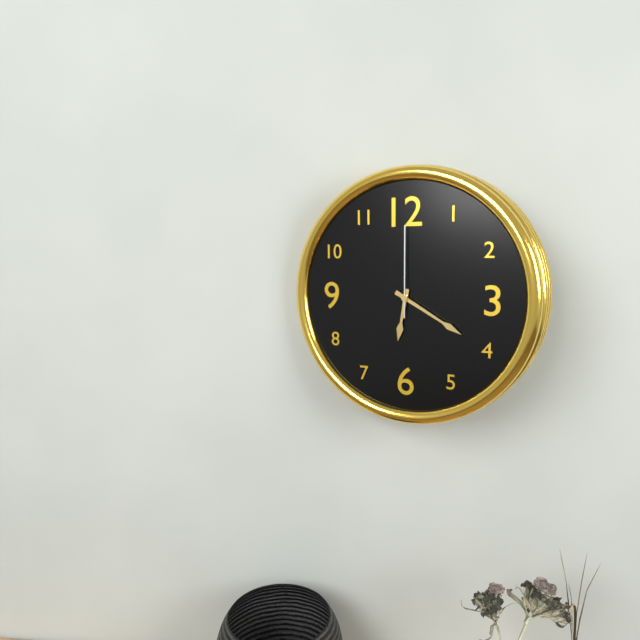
6:20:00
